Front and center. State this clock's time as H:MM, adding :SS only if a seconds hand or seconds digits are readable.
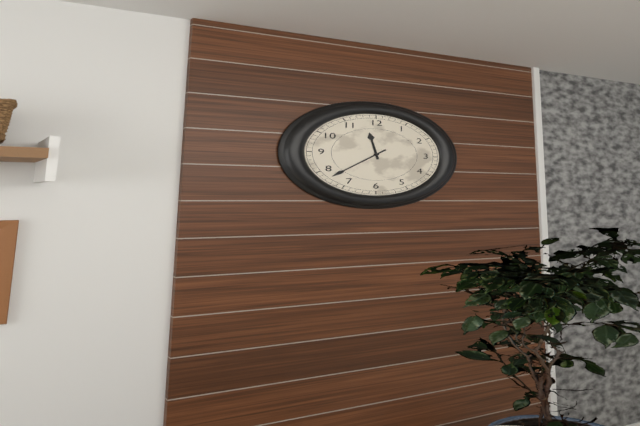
11:38
